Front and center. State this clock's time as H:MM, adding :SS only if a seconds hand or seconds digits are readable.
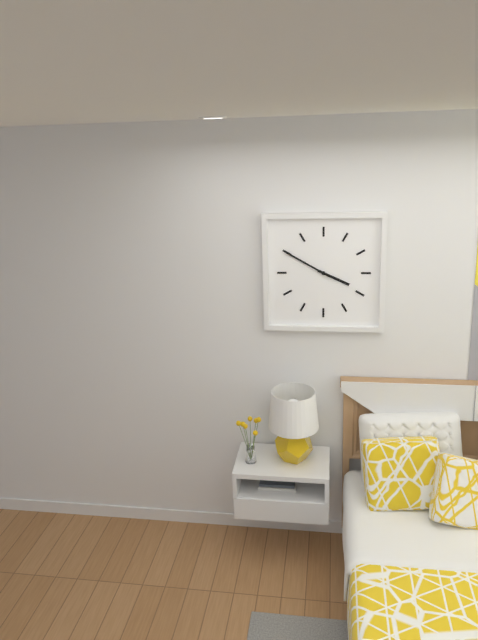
3:50
